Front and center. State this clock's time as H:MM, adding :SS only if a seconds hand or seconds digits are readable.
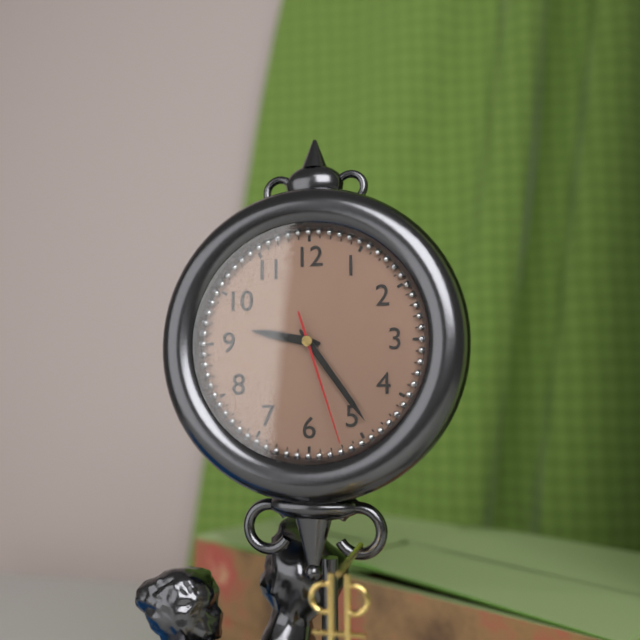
9:24:27
